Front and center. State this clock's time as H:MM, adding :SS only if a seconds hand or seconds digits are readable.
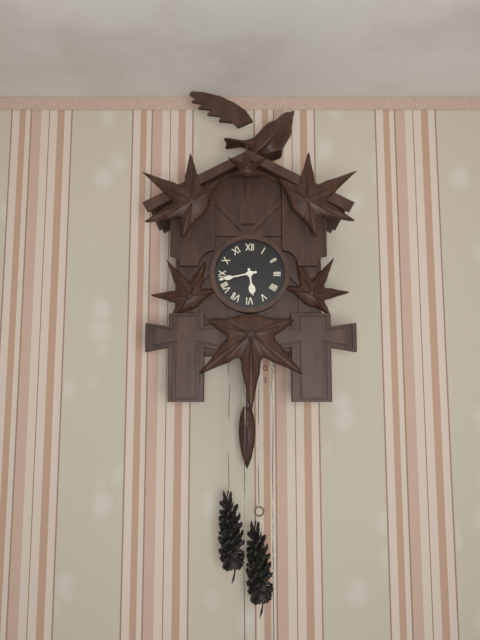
5:43
